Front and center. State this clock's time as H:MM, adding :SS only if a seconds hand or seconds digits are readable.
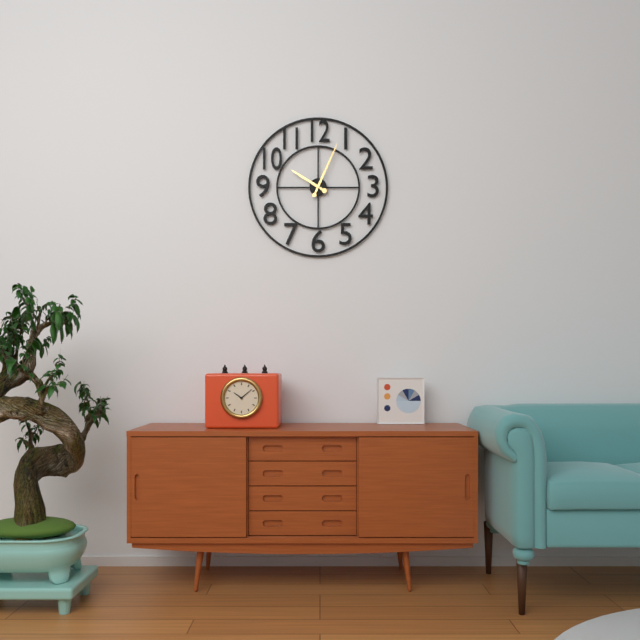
10:04
